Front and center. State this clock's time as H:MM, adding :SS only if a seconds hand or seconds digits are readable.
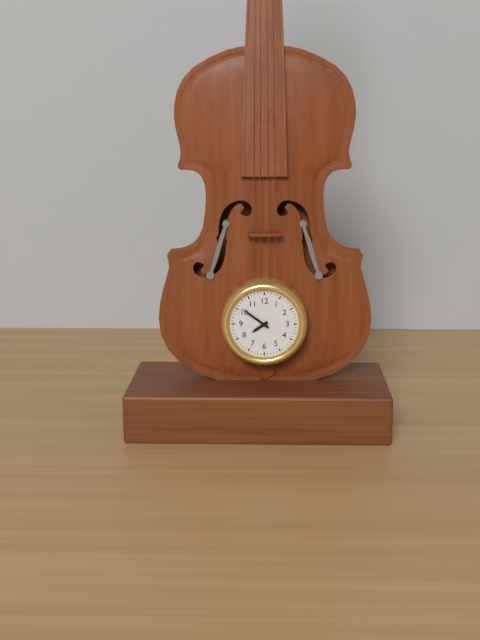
7:51
